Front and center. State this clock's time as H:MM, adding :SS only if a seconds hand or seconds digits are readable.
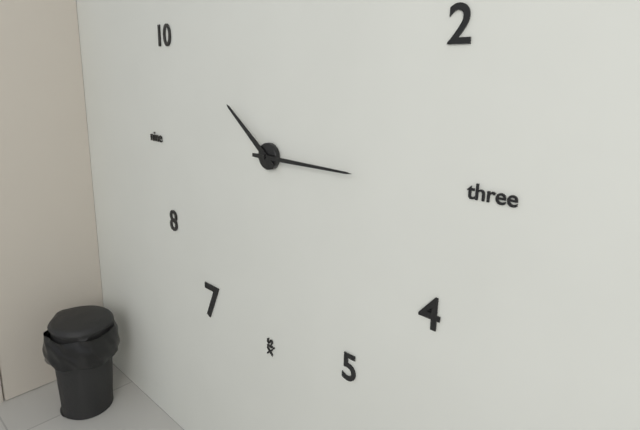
10:15
